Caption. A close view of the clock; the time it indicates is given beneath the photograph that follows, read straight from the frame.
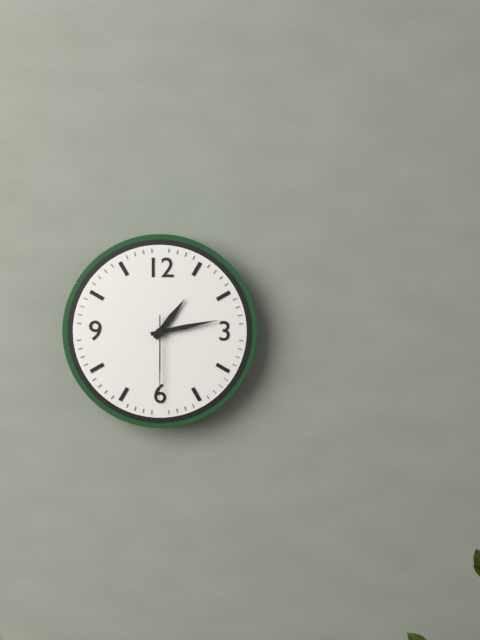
1:13:30
